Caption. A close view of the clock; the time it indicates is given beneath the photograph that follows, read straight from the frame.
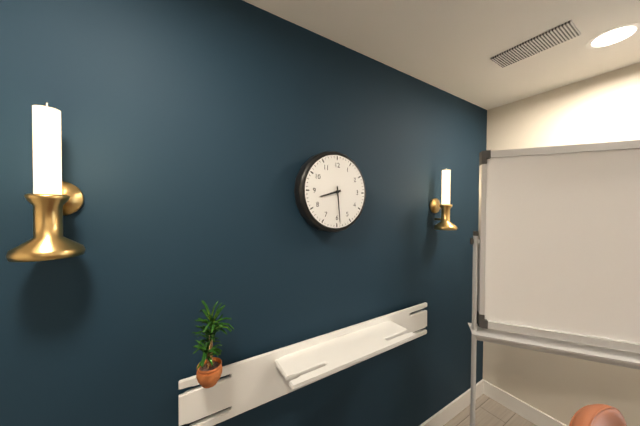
8:29
